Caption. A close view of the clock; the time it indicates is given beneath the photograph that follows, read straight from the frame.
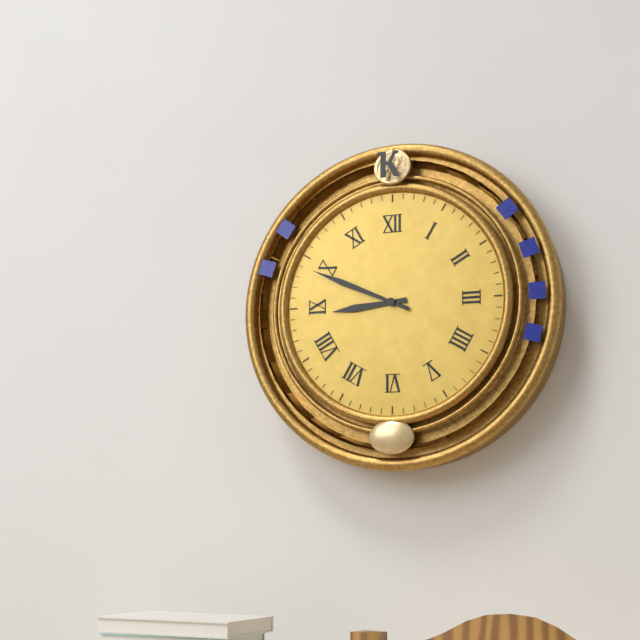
8:49
